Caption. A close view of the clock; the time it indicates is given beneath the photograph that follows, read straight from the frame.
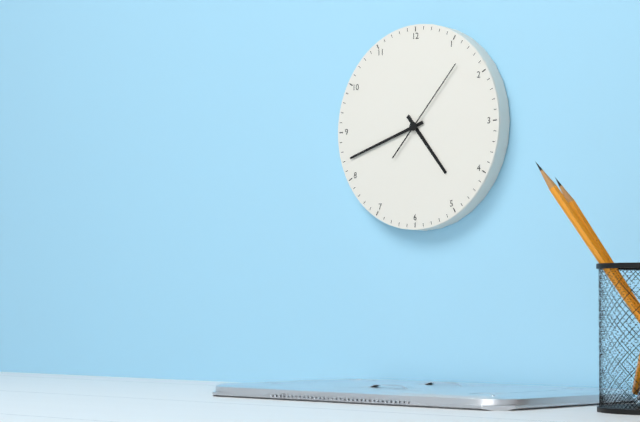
4:42:07
